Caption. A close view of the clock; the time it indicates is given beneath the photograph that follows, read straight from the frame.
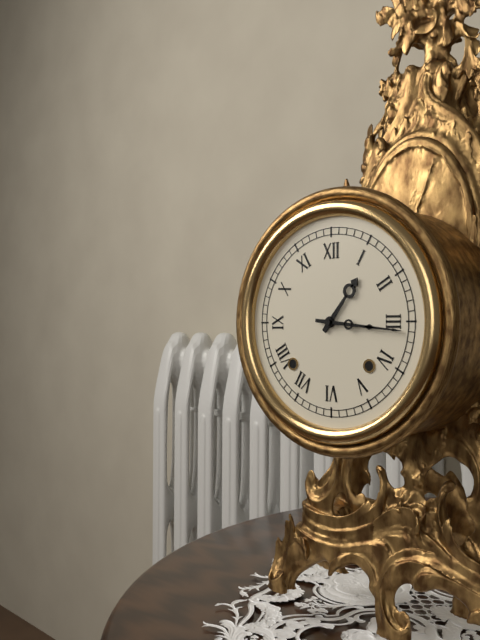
1:16
